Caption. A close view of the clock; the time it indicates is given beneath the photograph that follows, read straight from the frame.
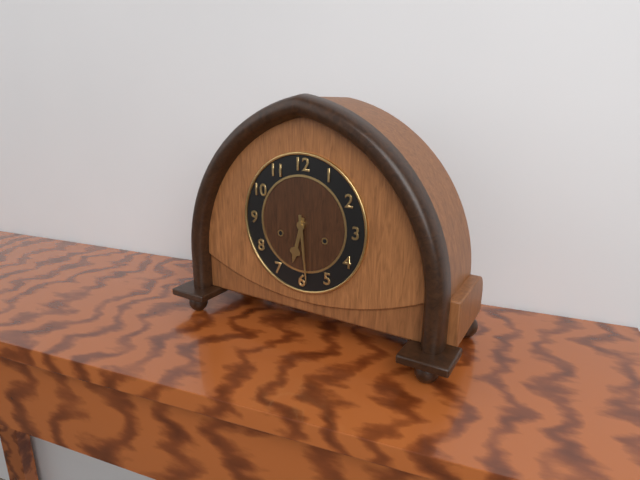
6:29
